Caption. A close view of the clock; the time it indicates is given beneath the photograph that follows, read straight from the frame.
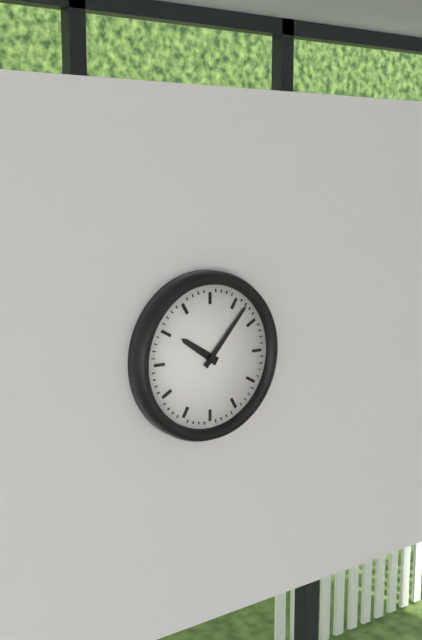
10:07
